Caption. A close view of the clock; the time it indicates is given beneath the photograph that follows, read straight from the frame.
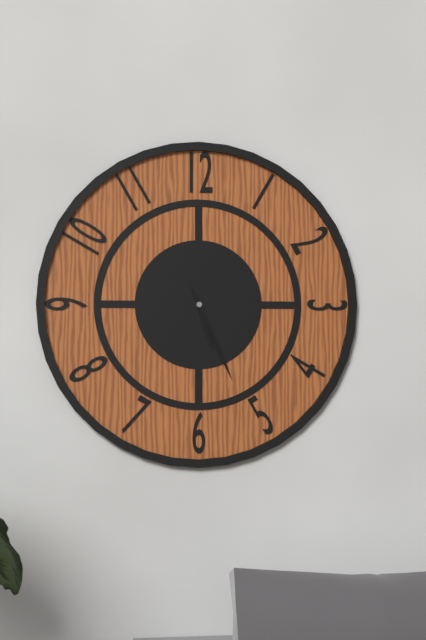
5:26:26
